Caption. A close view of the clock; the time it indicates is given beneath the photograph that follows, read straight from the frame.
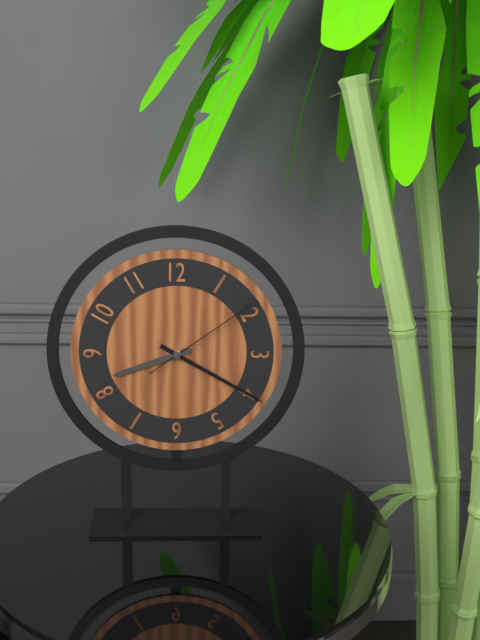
8:20:09
